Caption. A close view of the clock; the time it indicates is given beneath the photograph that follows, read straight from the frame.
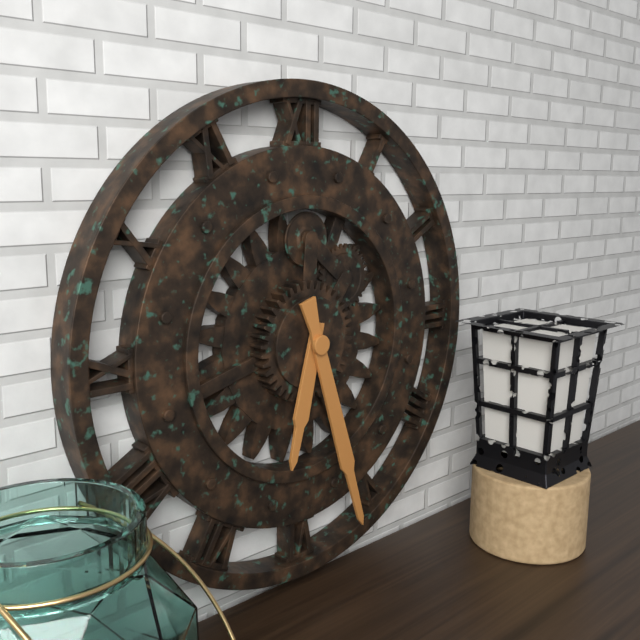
6:27
